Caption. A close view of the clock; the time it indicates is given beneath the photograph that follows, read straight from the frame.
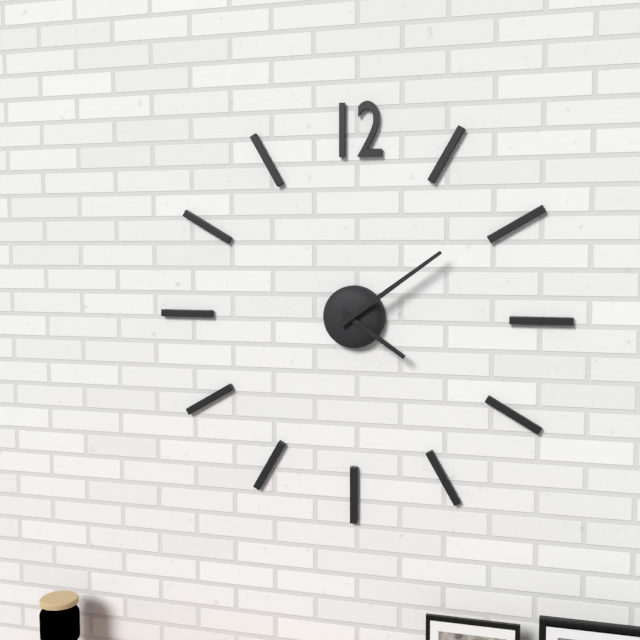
4:09
